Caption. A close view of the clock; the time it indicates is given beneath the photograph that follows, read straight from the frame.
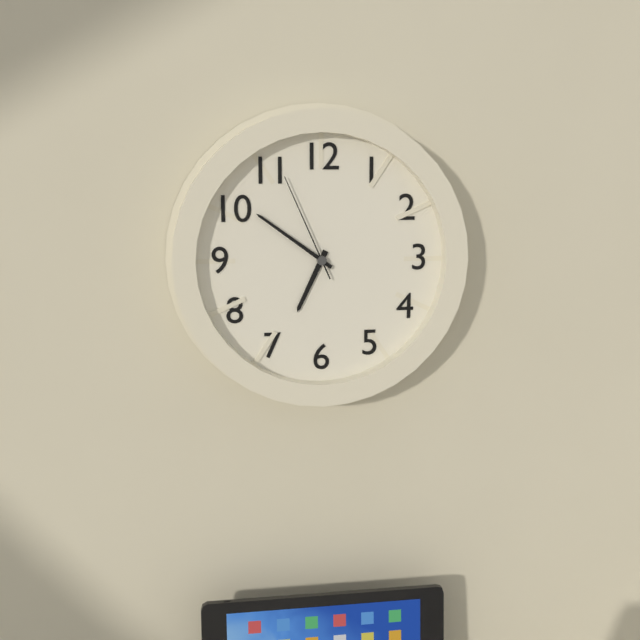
6:51:56
